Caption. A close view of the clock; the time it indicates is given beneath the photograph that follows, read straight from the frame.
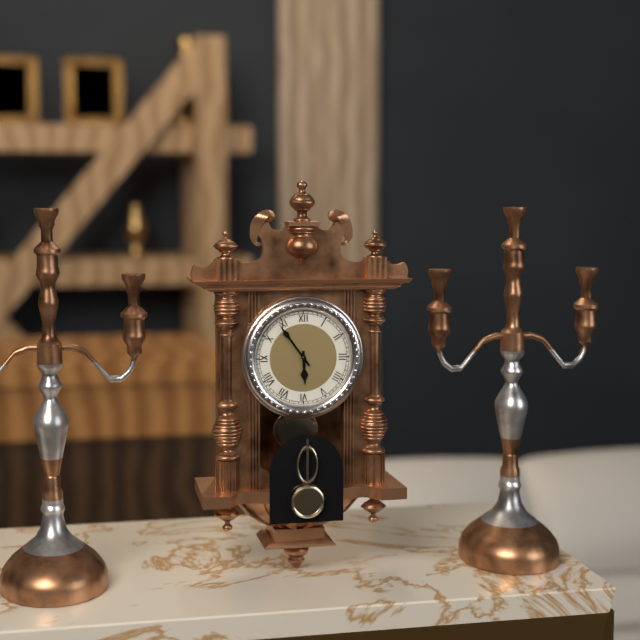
5:54
